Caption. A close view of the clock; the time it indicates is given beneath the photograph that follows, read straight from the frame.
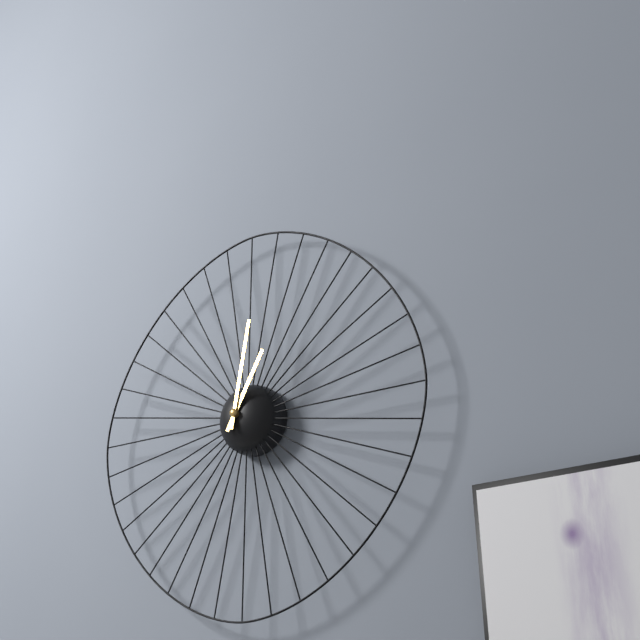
1:02
